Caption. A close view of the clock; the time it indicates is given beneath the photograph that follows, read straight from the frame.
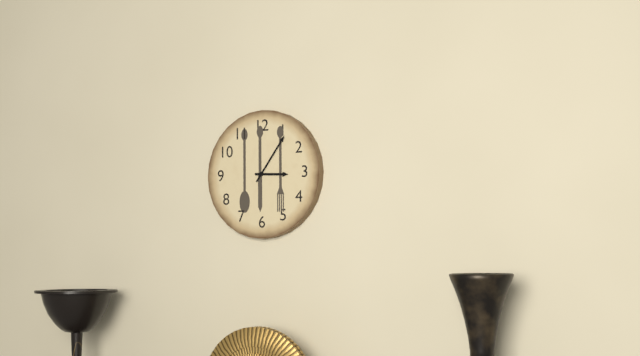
3:06
